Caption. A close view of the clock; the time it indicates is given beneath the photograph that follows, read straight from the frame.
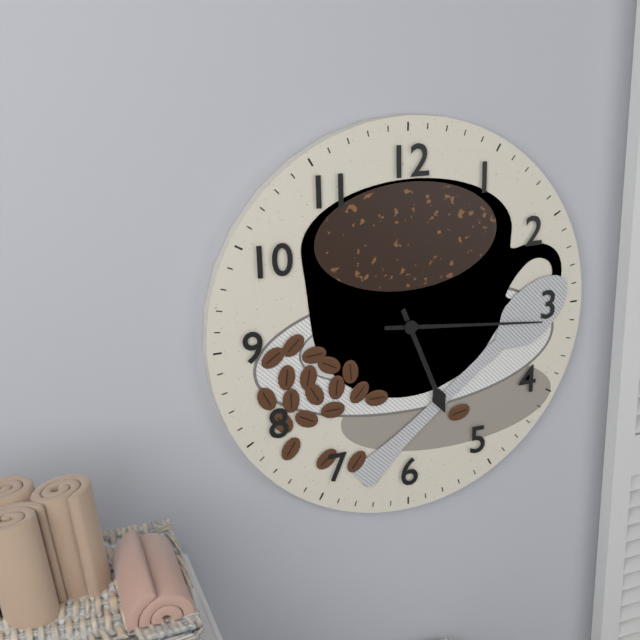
5:16
